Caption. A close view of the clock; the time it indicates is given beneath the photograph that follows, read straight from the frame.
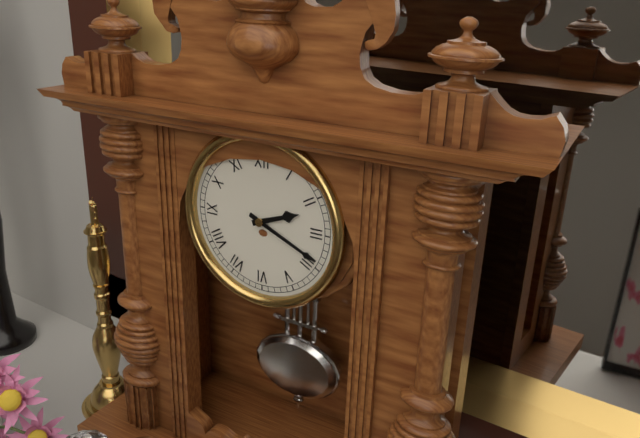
2:19
